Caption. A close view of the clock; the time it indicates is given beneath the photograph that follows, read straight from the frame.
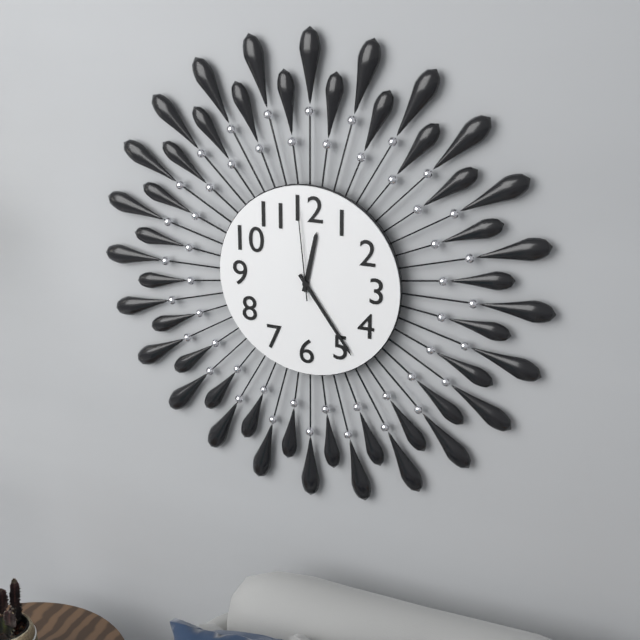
12:24:59
